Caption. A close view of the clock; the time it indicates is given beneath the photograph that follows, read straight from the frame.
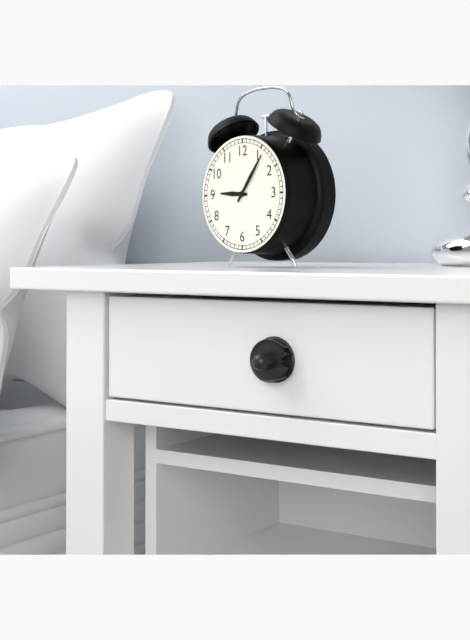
9:06
